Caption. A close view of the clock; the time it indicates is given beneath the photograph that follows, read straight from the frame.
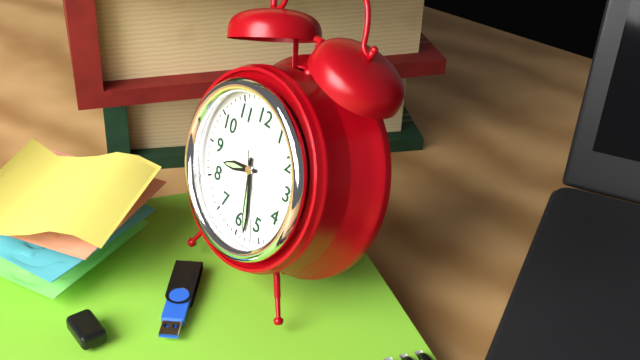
8:28:26
